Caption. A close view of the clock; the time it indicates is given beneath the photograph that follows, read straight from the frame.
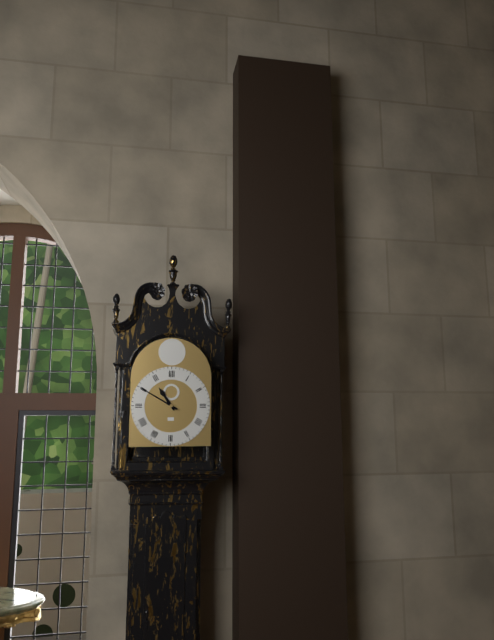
10:50
